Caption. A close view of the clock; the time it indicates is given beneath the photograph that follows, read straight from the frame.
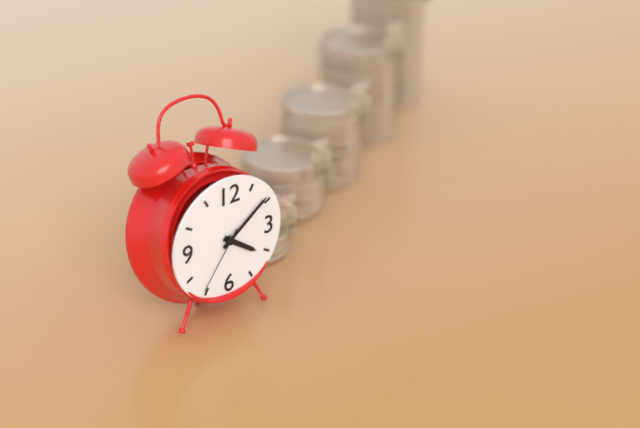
4:09:36
